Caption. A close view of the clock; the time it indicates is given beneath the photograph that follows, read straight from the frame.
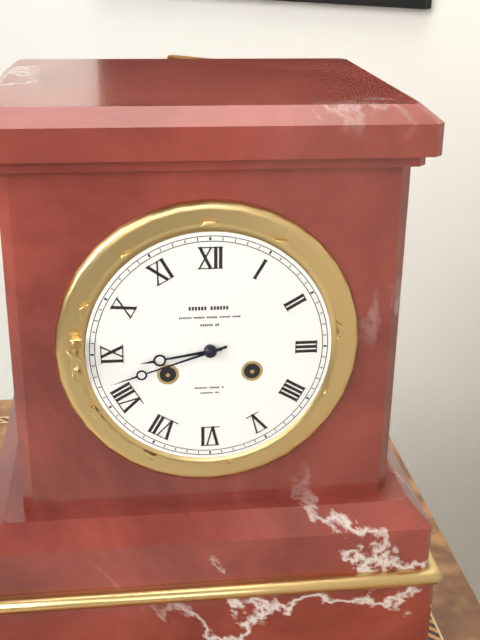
8:42
